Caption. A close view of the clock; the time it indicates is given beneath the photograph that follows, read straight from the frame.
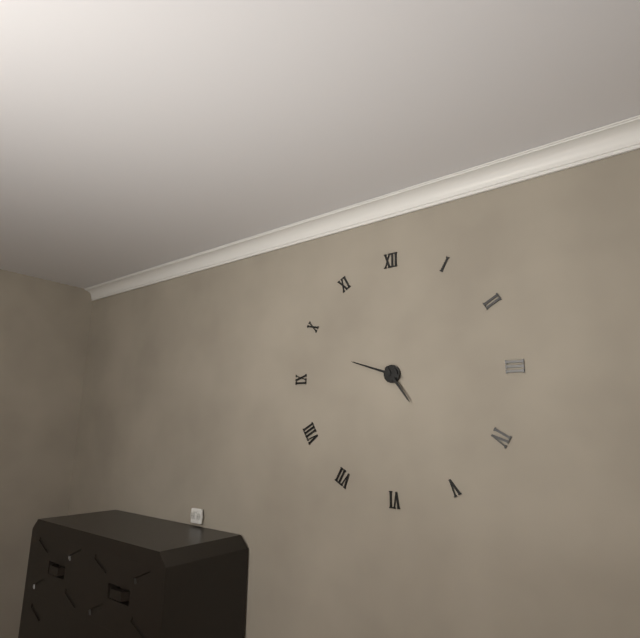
4:48
